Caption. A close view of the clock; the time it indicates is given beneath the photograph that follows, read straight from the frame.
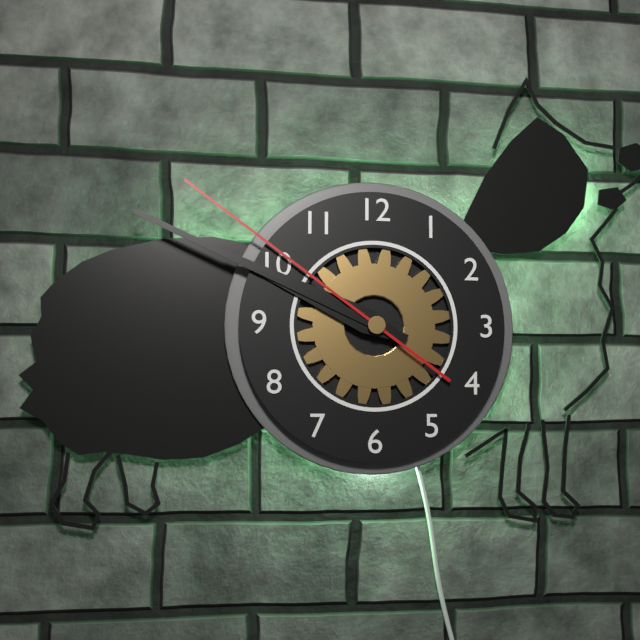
9:49:51
